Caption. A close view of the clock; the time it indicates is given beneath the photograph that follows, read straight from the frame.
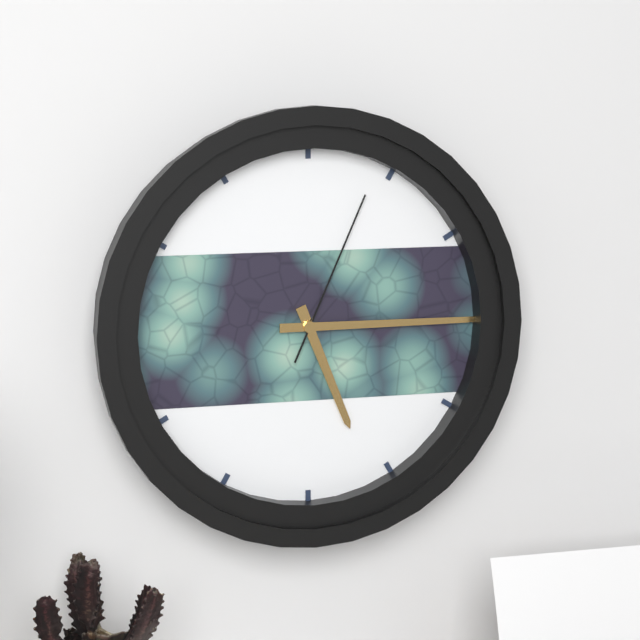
5:15:04
